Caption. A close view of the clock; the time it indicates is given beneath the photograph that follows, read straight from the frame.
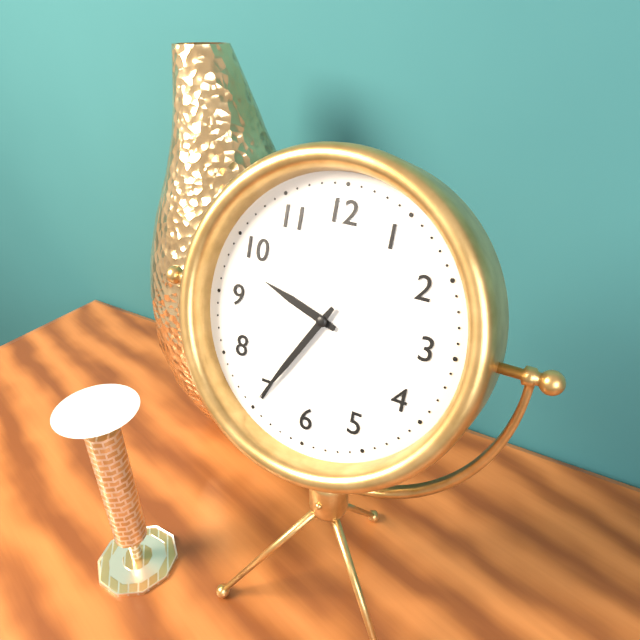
9:35
